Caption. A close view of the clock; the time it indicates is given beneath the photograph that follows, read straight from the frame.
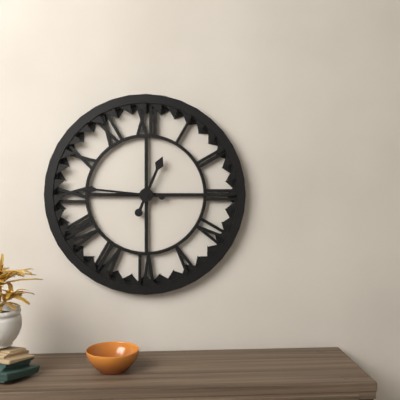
12:46
